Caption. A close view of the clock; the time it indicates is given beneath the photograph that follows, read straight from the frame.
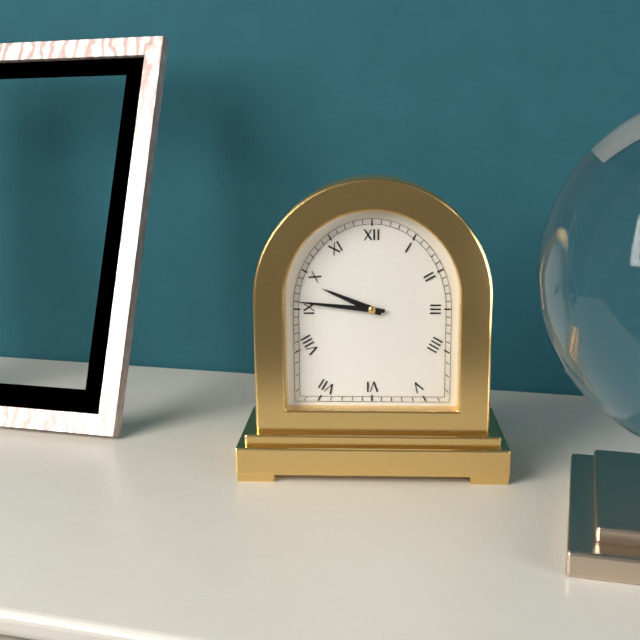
9:46
